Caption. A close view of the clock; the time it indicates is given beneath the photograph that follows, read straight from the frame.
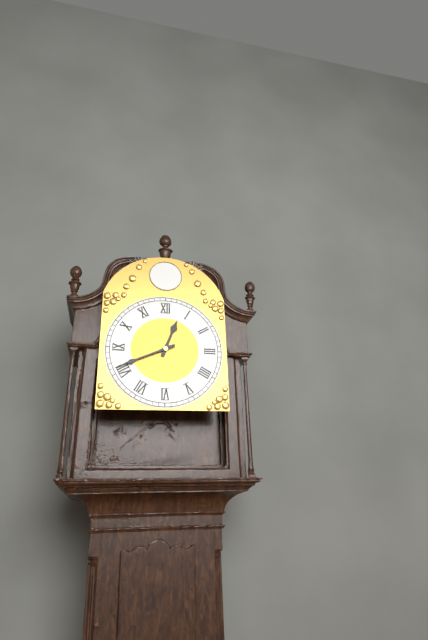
12:41
